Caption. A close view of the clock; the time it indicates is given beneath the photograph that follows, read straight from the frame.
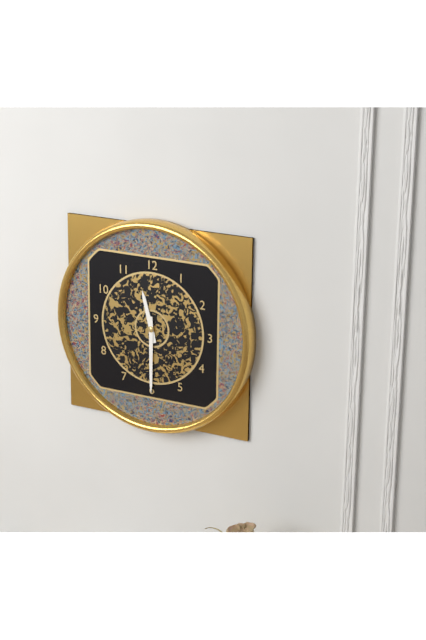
11:30
